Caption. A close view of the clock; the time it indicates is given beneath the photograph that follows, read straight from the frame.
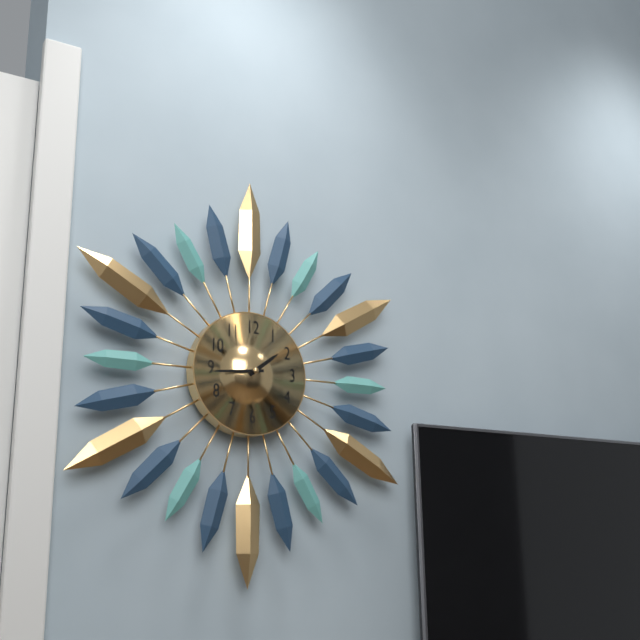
1:44
